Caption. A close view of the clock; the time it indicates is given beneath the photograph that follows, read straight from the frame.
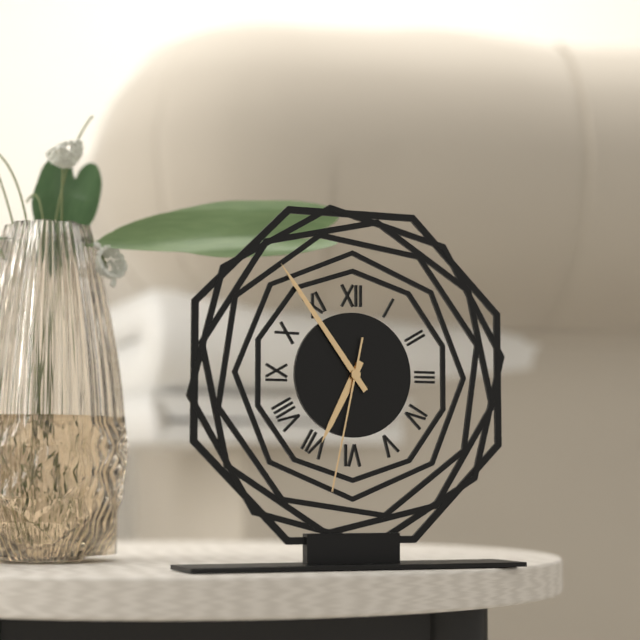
6:54:32
